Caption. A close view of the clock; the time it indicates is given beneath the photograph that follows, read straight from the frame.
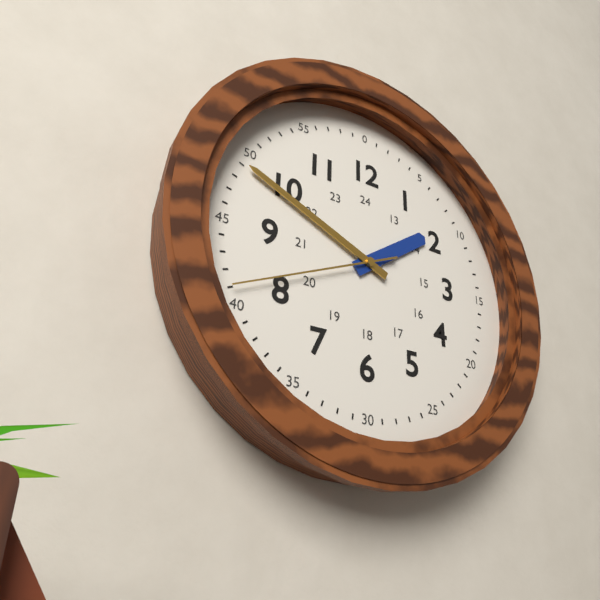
1:49:41
